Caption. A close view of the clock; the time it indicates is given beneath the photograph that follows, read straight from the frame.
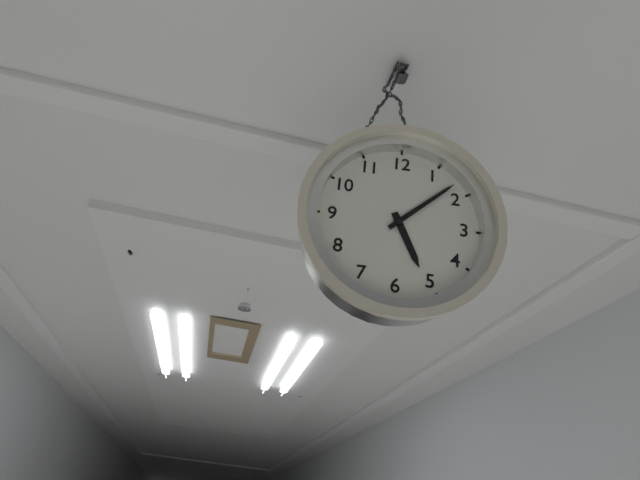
5:08
